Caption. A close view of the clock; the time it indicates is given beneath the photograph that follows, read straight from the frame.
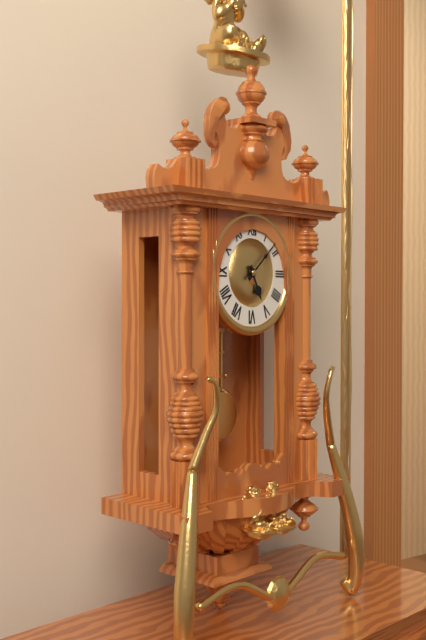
5:08
